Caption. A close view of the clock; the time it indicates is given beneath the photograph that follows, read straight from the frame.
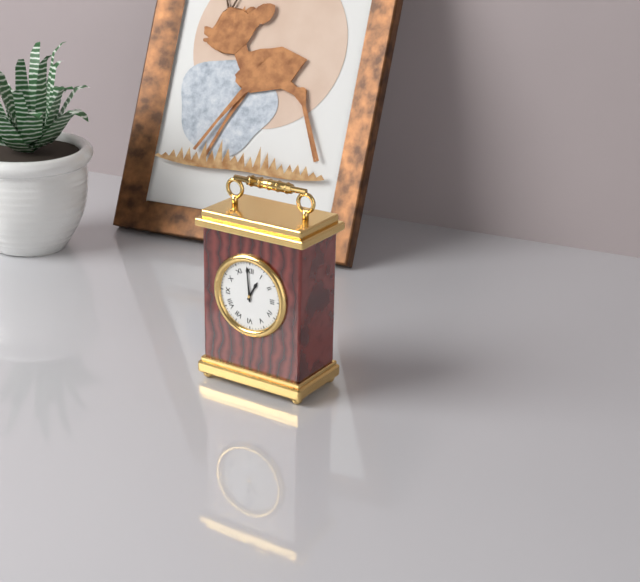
12:59
